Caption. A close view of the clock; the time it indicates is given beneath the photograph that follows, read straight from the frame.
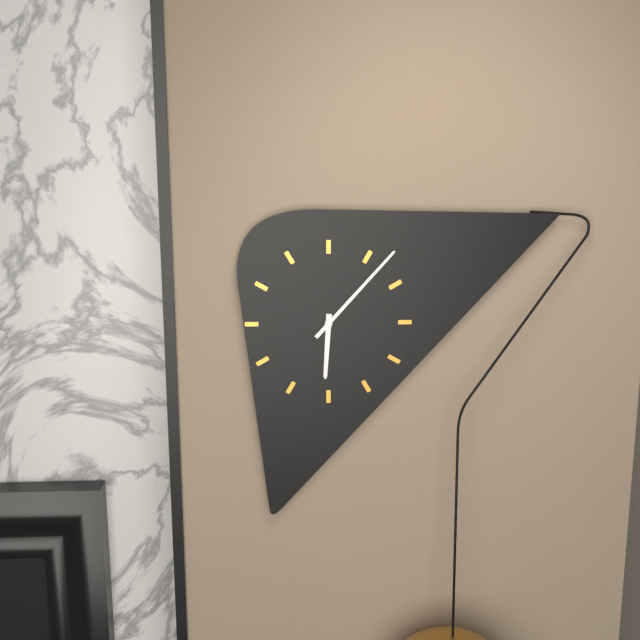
6:07
